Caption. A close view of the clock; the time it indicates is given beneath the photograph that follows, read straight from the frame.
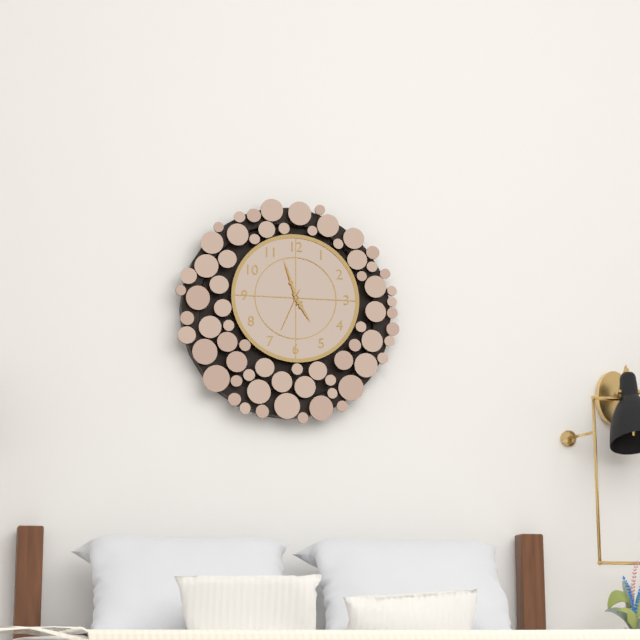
4:57
